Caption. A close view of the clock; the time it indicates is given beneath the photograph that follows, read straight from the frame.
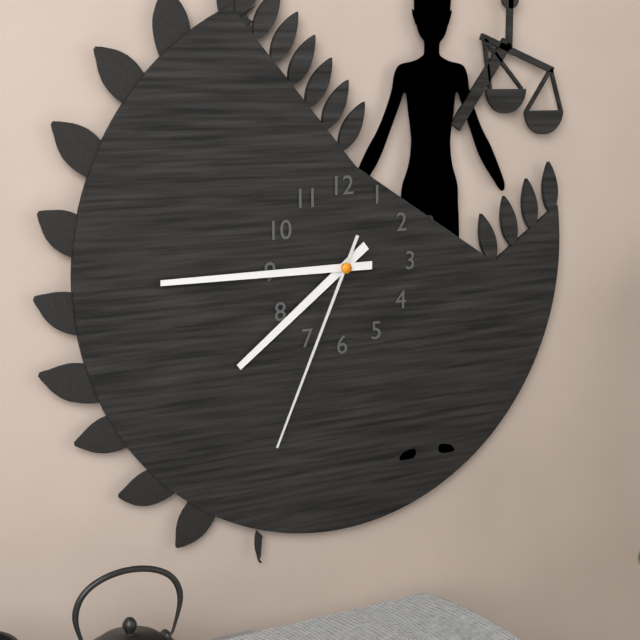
7:45:34
